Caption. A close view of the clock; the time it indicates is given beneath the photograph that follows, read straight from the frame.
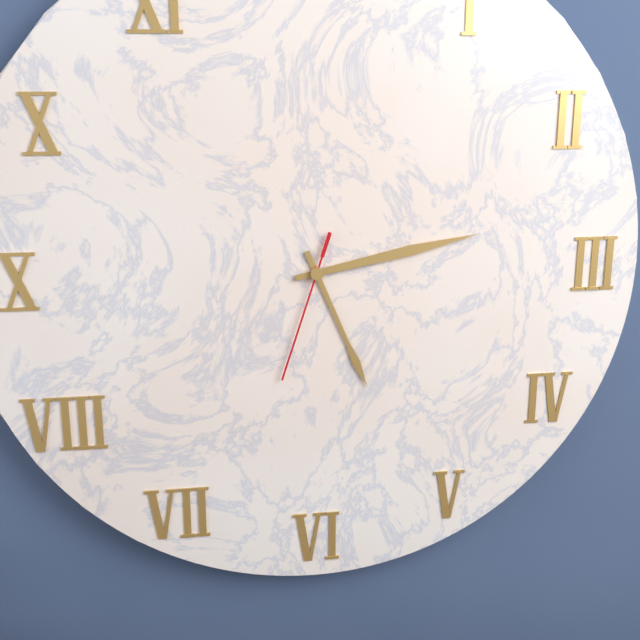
5:13:33
